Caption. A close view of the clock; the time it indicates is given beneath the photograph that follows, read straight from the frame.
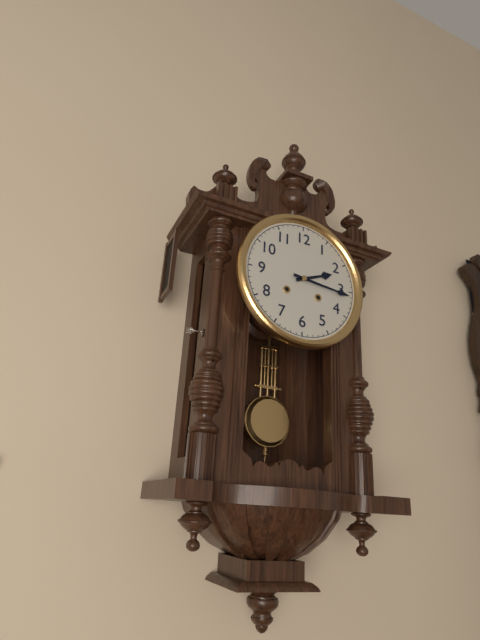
2:16
